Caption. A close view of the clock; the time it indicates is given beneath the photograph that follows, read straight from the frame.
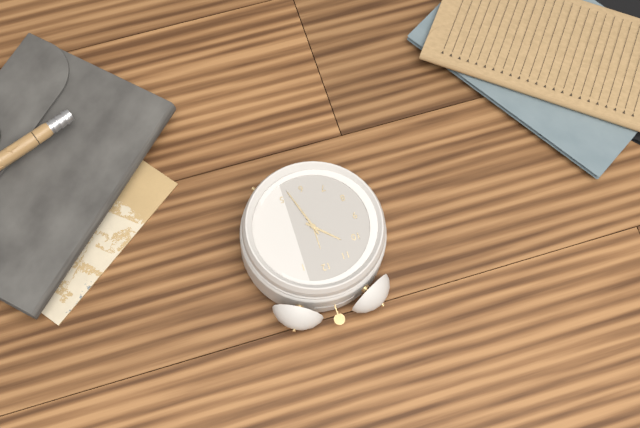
10:27
